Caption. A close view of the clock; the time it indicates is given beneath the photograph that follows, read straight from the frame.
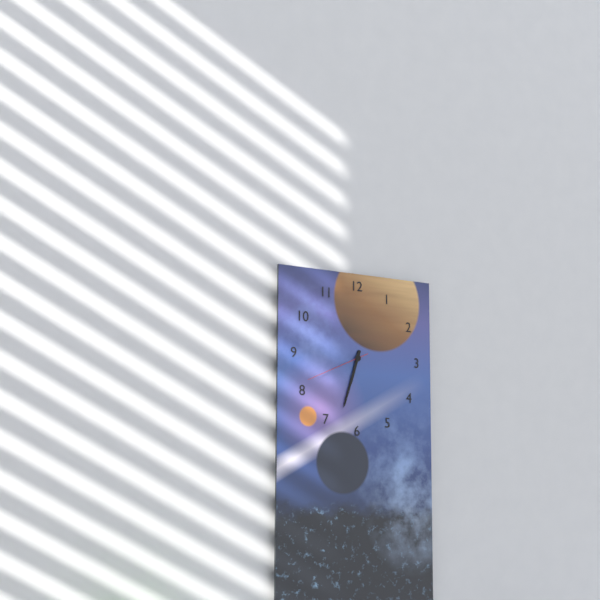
6:33:41
